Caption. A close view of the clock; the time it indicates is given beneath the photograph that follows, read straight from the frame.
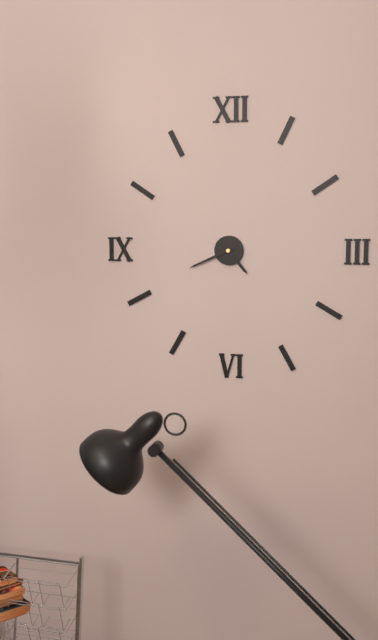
4:41
